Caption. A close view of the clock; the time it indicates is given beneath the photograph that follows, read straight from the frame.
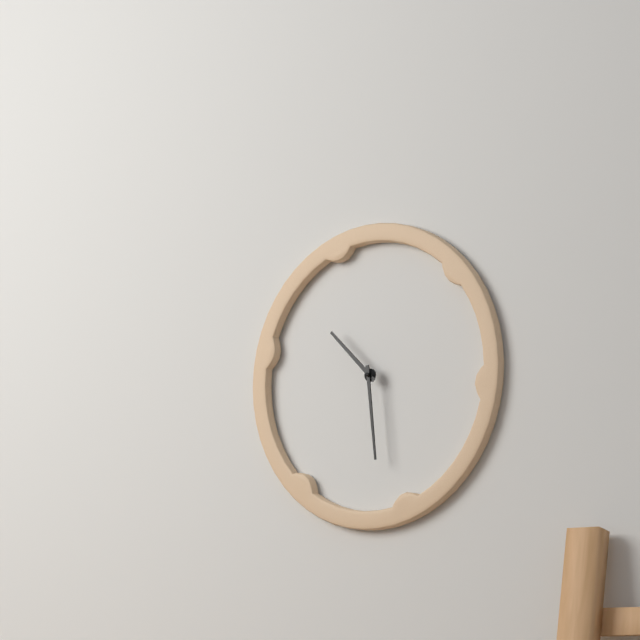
10:29
